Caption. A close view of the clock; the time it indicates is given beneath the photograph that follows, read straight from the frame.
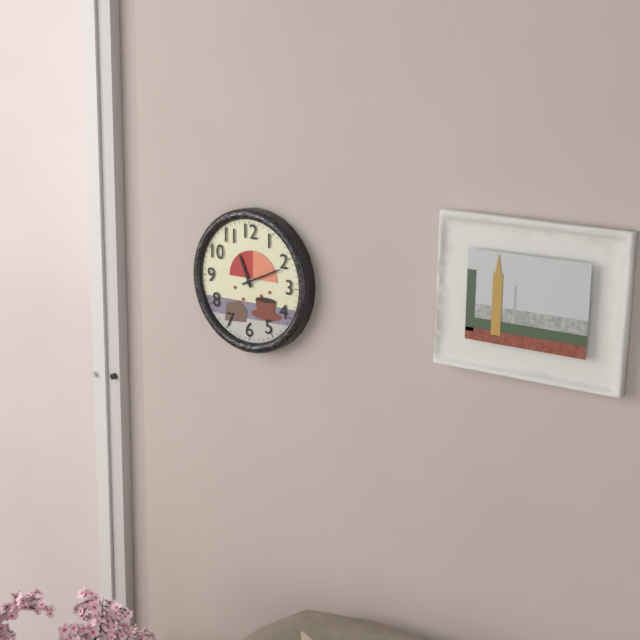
11:11
